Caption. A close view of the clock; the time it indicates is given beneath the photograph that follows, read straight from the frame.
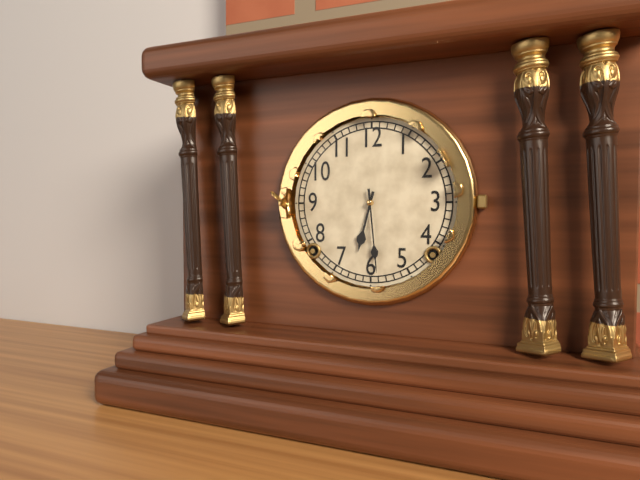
6:29
